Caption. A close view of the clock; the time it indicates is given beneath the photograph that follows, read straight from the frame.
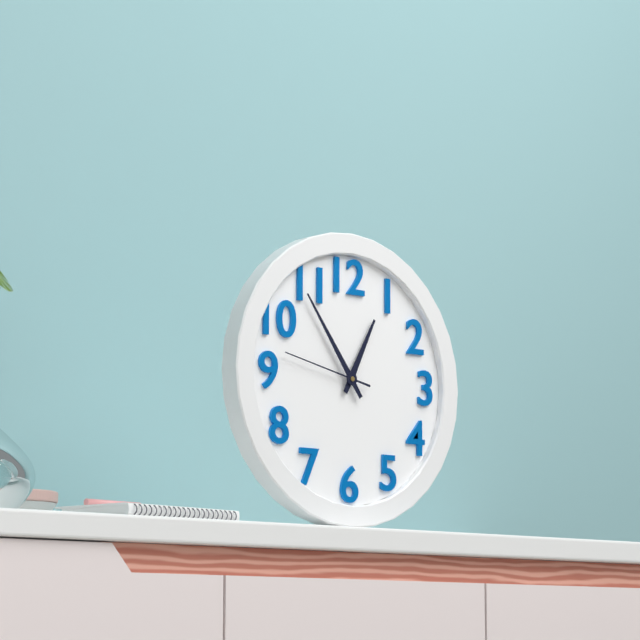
12:54:47
